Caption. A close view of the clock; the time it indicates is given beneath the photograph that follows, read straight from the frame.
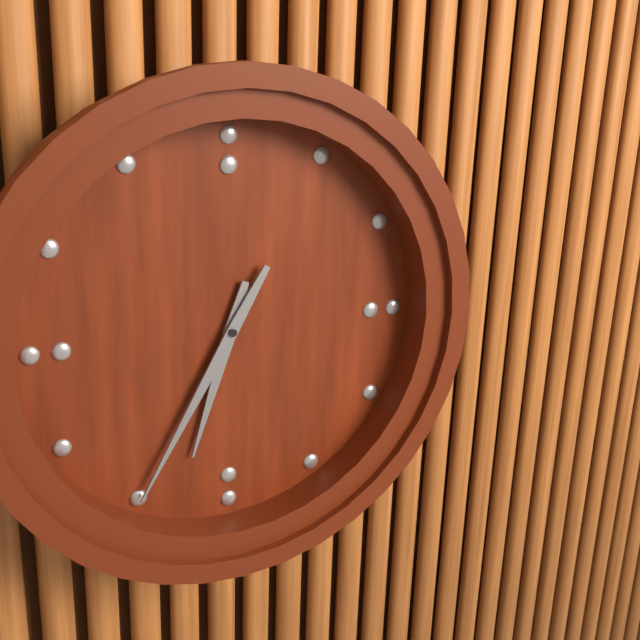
6:35
